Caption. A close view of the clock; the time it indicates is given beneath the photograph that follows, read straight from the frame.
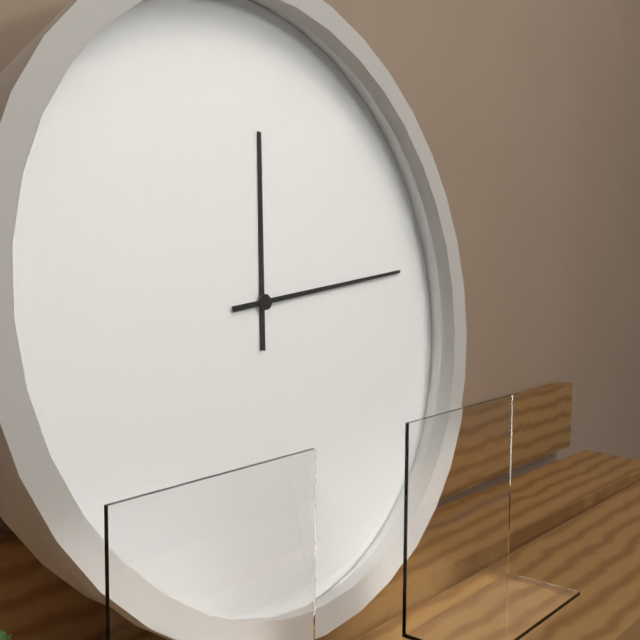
12:14
